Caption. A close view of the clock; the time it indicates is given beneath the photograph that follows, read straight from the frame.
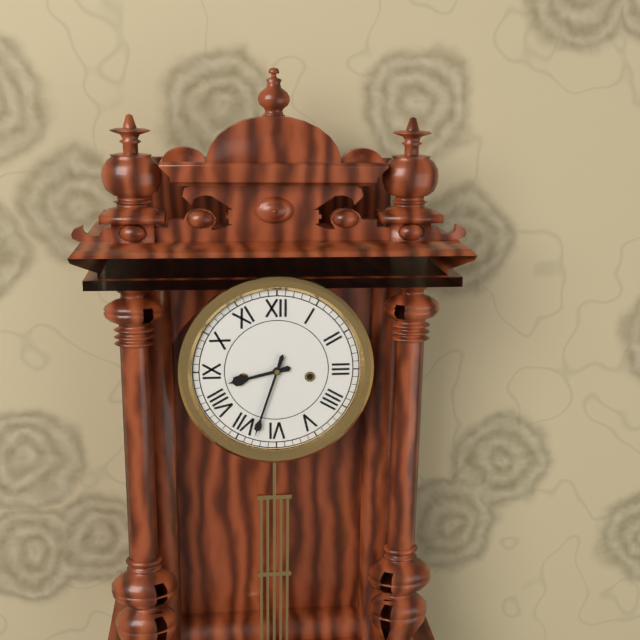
8:33
